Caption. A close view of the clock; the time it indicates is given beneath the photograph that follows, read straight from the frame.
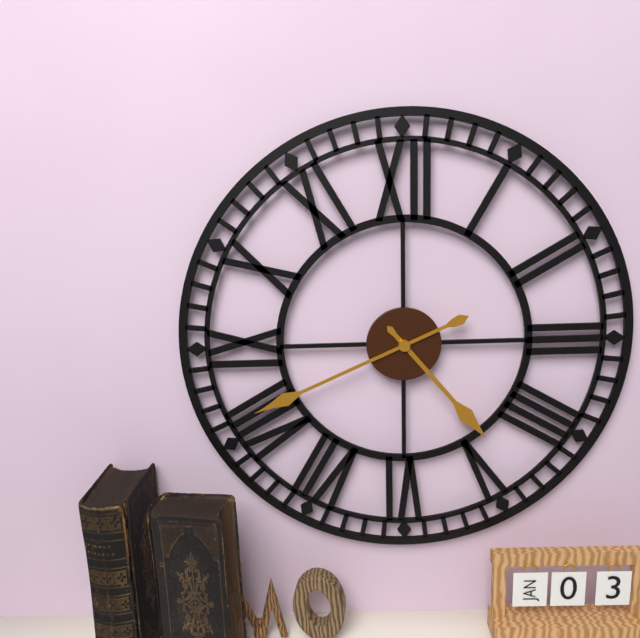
4:41
